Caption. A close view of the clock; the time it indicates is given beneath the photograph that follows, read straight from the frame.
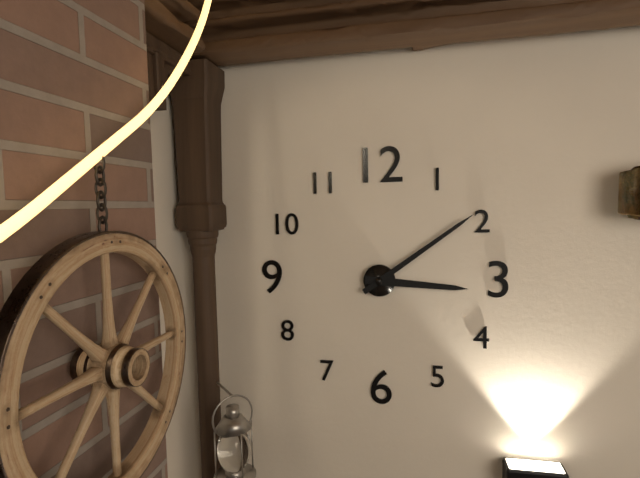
3:09
